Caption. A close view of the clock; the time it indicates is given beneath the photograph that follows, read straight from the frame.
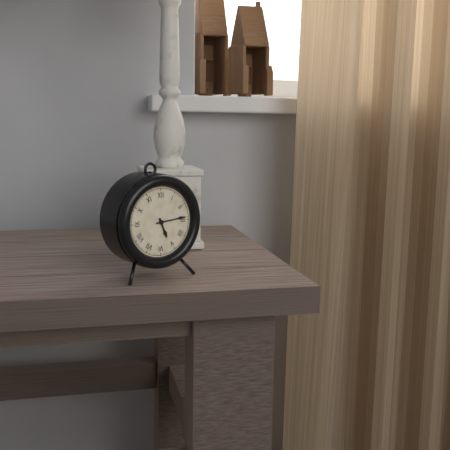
5:14
